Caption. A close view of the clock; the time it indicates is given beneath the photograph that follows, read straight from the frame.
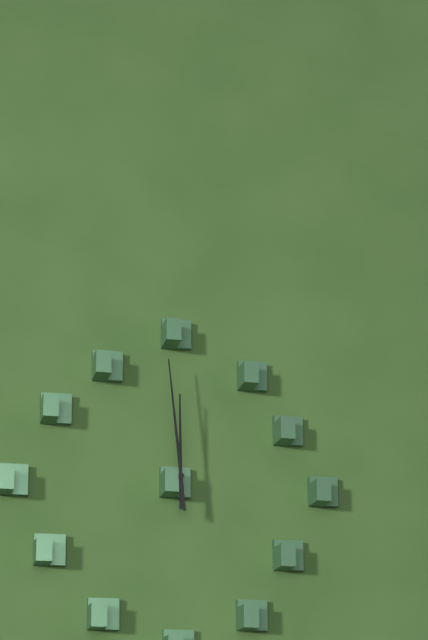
11:59
